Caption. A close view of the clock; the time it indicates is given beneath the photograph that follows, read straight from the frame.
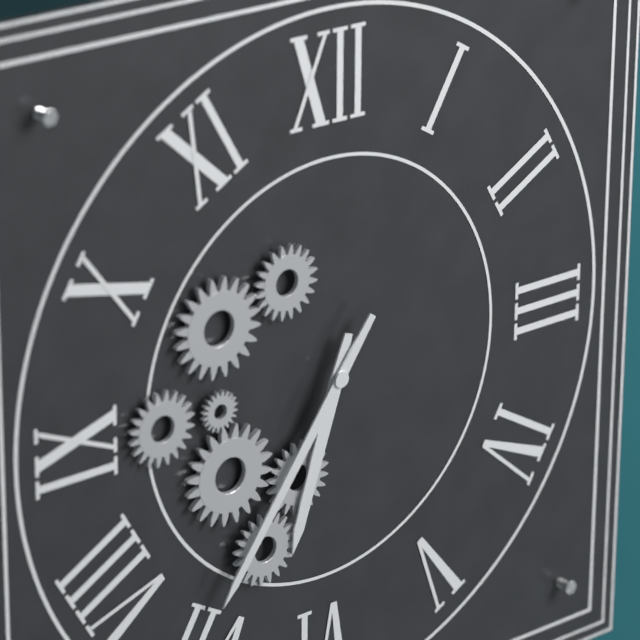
6:36
